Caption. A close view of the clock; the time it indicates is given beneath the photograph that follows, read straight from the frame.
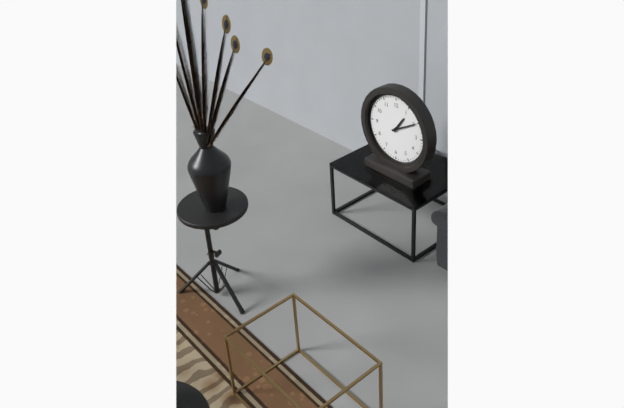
1:10
